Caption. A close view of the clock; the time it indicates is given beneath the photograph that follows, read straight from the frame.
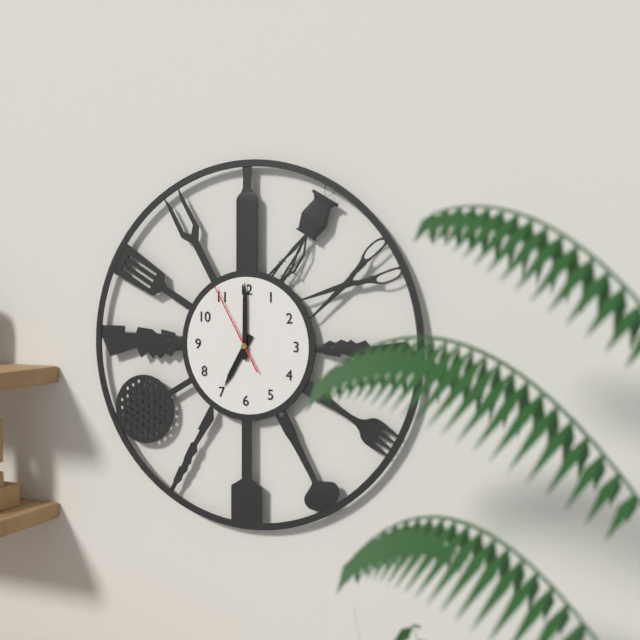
7:00:55
